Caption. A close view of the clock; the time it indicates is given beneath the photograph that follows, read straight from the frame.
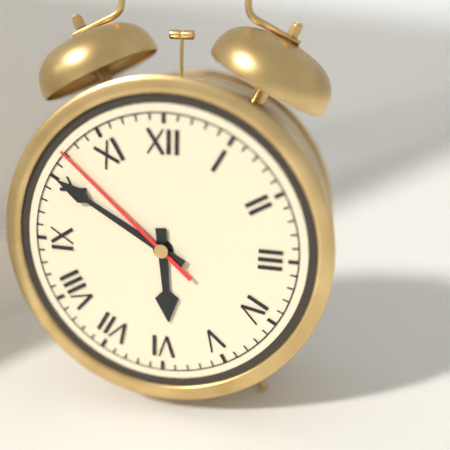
5:50:52
